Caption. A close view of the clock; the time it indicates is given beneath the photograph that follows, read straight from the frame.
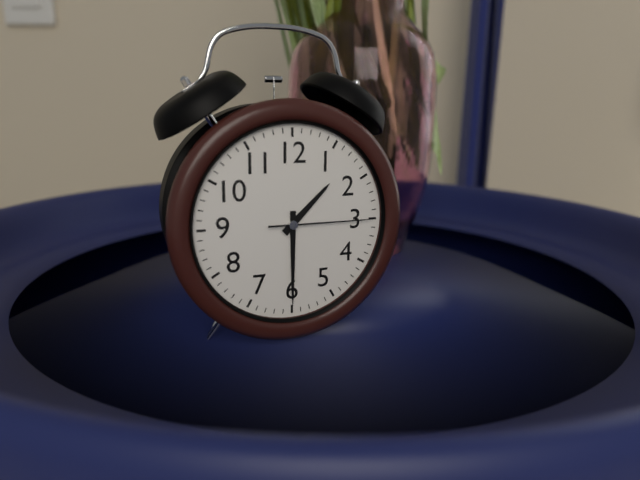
1:30:15
